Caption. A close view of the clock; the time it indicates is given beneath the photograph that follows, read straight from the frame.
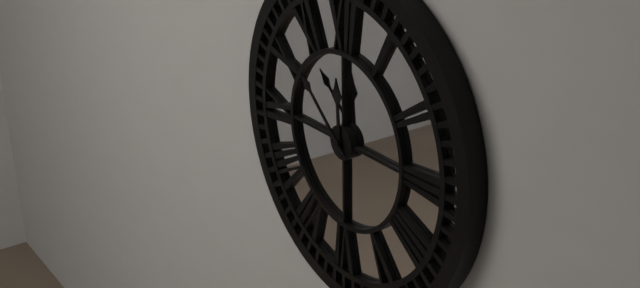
11:52
